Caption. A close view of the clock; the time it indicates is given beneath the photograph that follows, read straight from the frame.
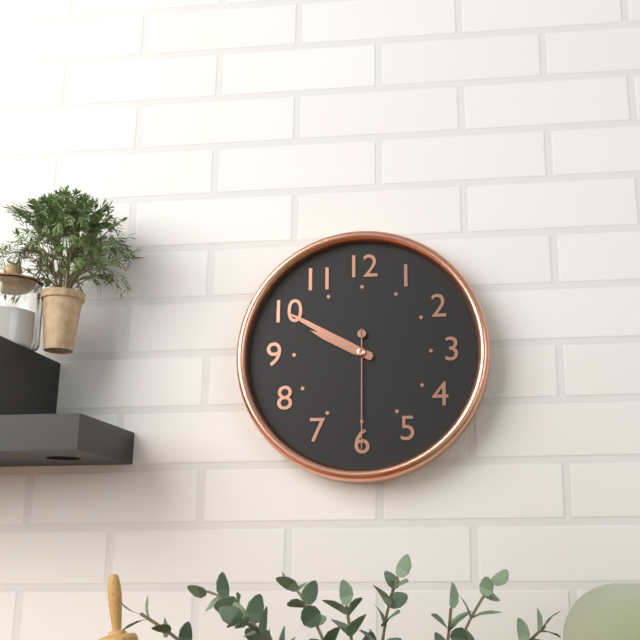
9:50:30
